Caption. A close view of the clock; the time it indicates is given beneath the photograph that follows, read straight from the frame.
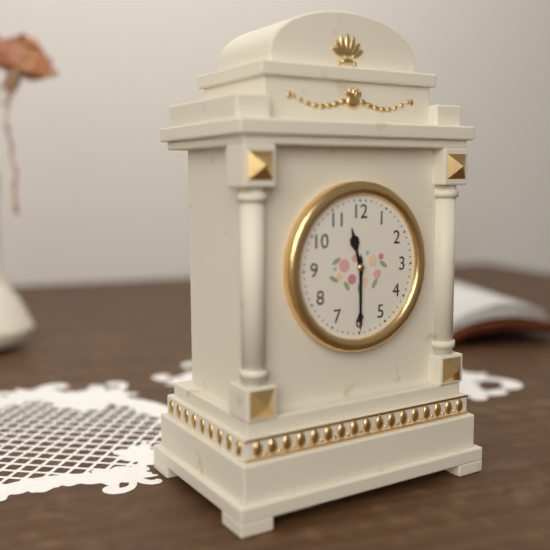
11:30
